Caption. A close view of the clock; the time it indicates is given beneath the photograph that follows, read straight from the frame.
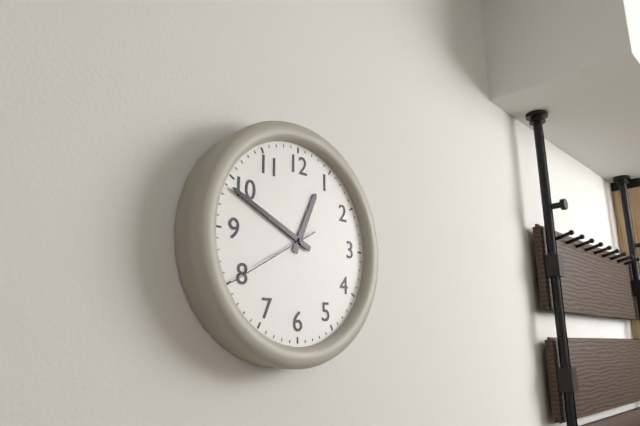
12:49:40
